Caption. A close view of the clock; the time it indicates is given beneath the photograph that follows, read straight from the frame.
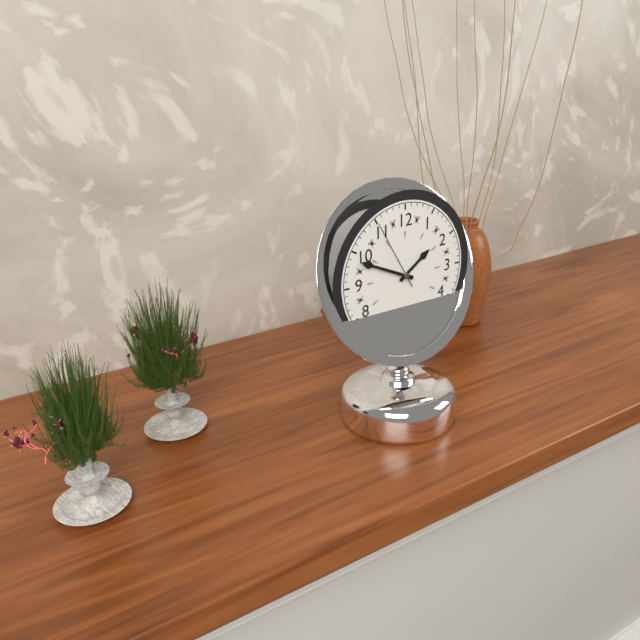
1:49:55
